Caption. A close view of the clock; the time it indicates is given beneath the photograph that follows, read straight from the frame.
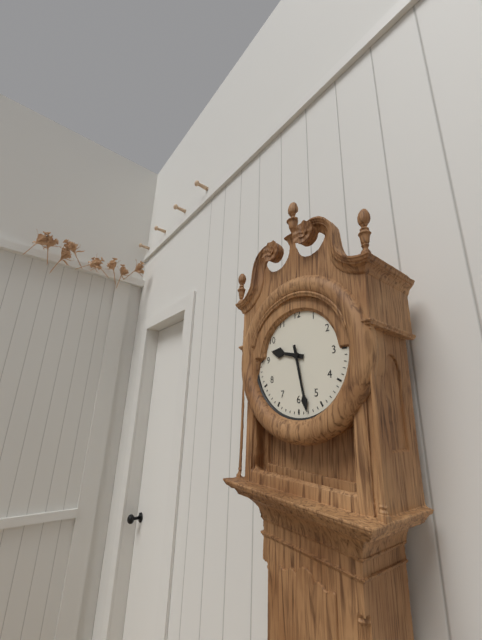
9:28
